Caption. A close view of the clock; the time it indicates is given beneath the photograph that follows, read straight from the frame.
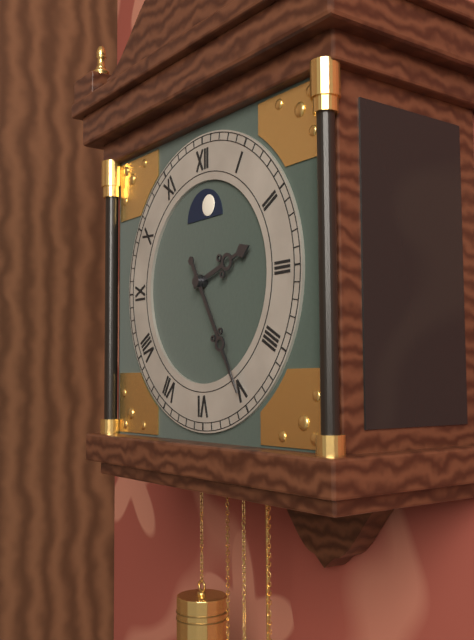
2:25
